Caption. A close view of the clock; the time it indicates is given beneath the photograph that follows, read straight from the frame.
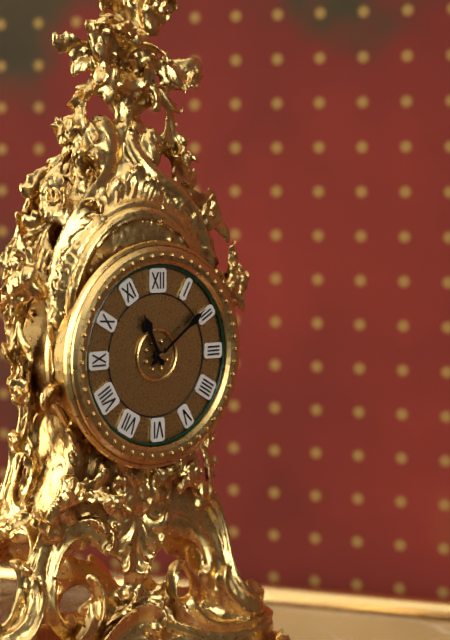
11:09
